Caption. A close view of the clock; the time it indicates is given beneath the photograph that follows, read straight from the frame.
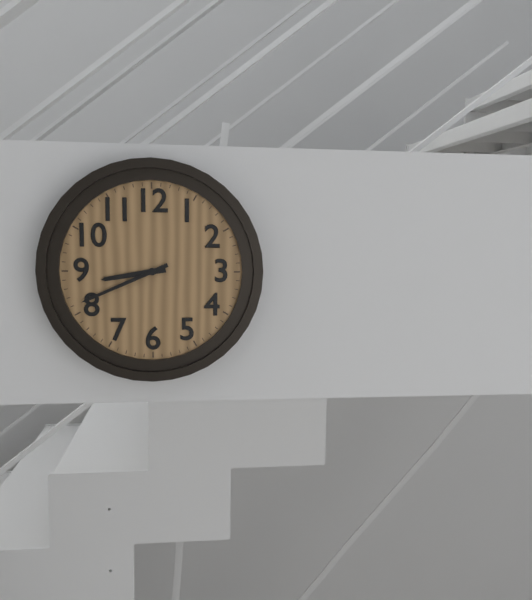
8:41
